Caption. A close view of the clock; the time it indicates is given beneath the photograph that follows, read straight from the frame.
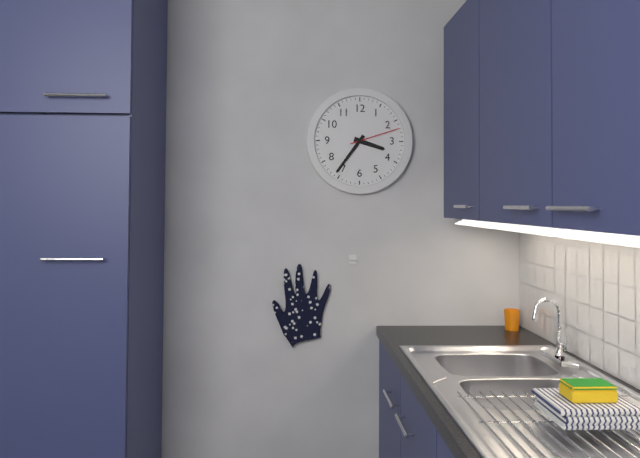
3:36:12
